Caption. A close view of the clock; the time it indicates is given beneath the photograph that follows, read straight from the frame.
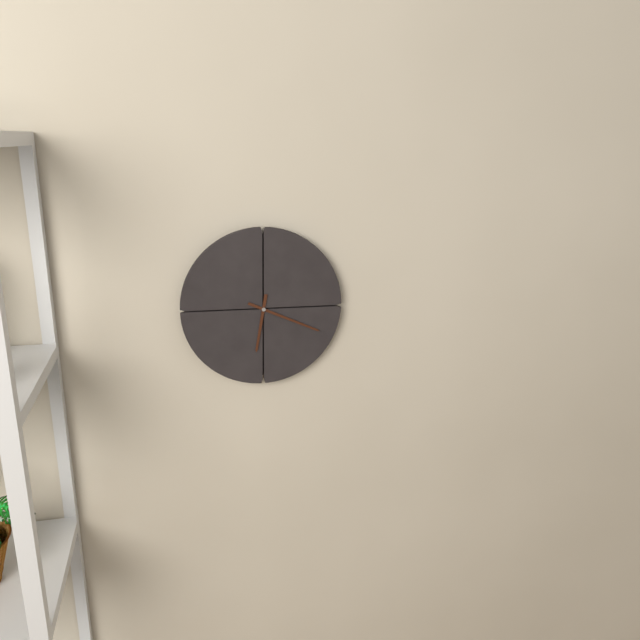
6:19
